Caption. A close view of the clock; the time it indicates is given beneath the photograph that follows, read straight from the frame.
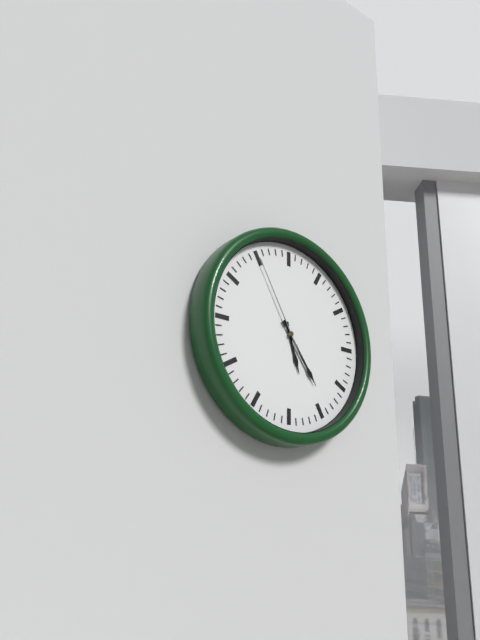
5:24:55
